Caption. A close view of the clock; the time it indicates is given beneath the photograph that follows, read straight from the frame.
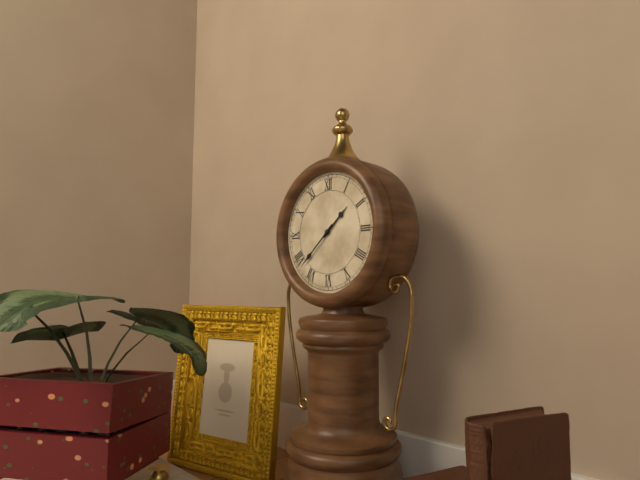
1:38
